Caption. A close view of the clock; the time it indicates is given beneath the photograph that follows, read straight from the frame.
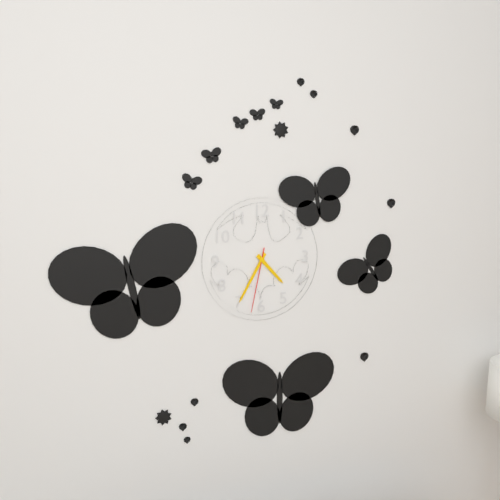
4:35:32
